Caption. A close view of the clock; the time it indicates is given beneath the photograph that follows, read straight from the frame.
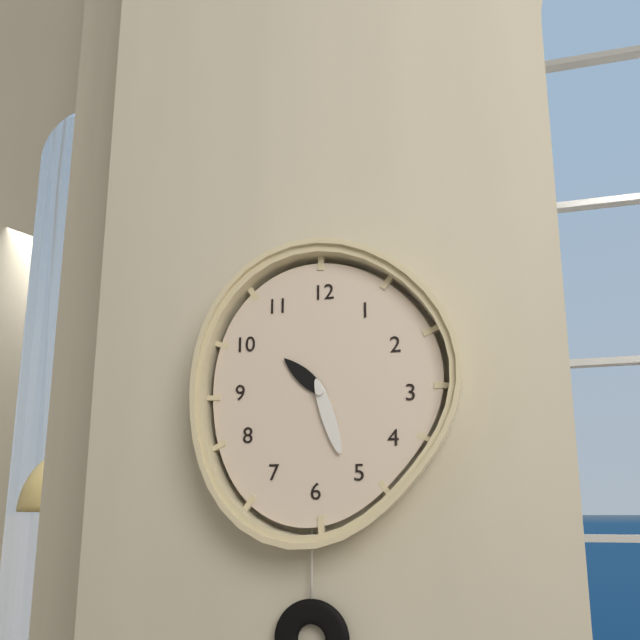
10:27
